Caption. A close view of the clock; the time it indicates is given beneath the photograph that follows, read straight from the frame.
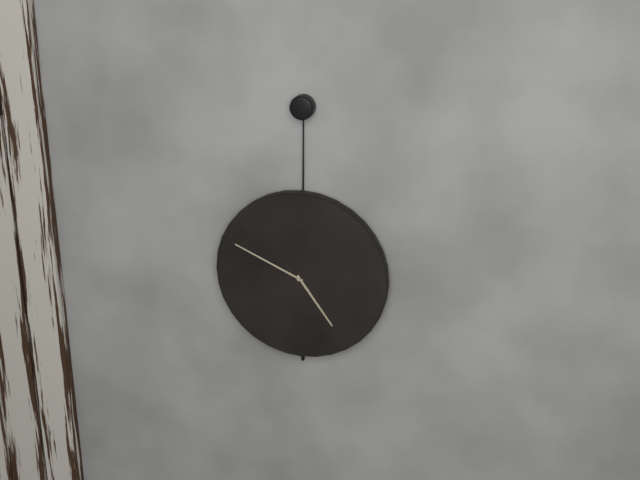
4:49
